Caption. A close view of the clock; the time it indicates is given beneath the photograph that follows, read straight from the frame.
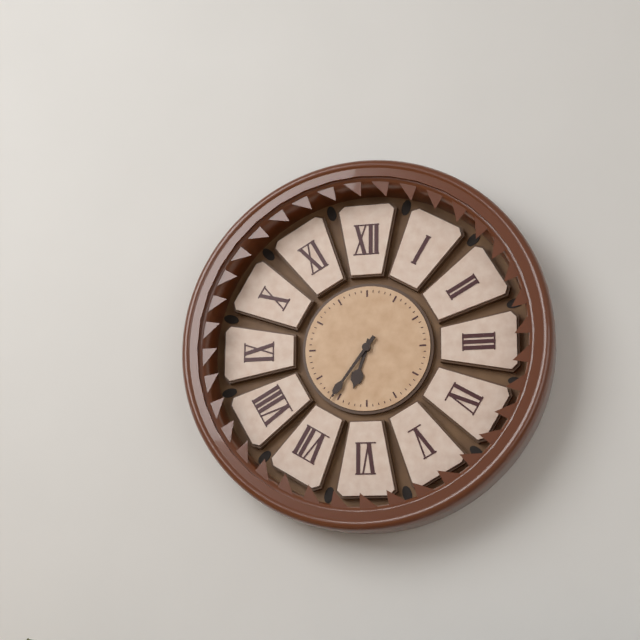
6:36
